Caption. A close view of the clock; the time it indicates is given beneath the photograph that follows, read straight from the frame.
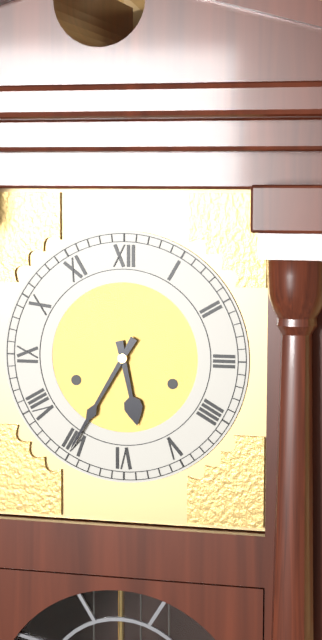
5:35
